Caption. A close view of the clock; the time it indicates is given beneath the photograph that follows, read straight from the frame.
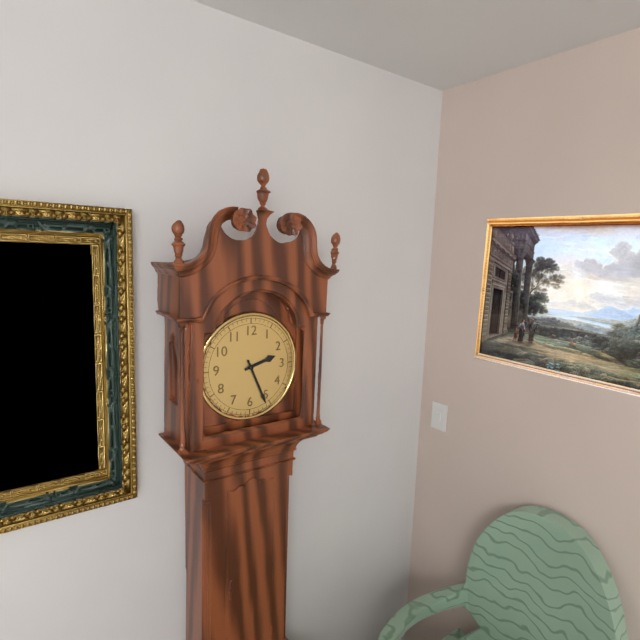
2:26
